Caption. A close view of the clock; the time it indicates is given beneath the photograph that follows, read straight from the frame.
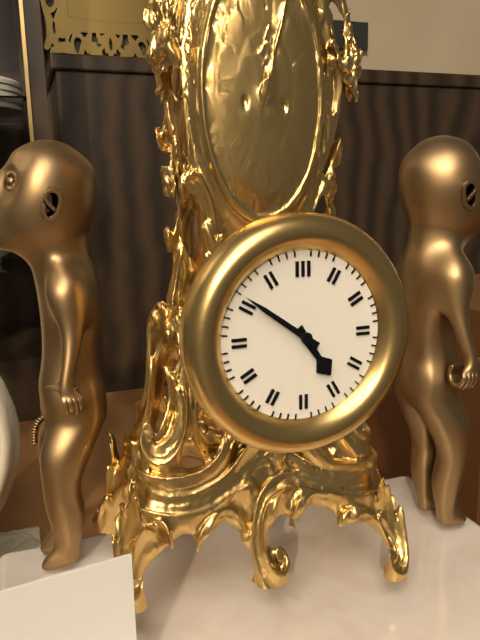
4:51
